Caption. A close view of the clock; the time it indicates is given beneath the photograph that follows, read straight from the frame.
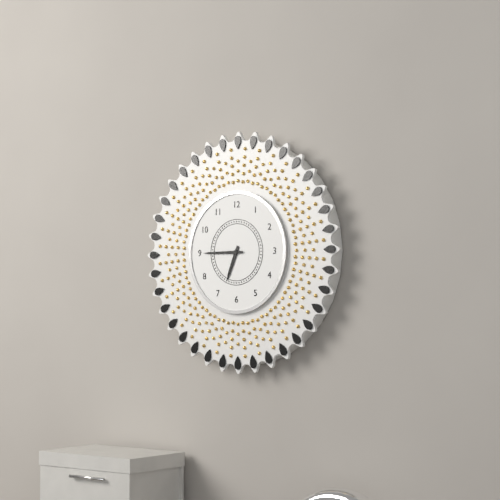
6:45
